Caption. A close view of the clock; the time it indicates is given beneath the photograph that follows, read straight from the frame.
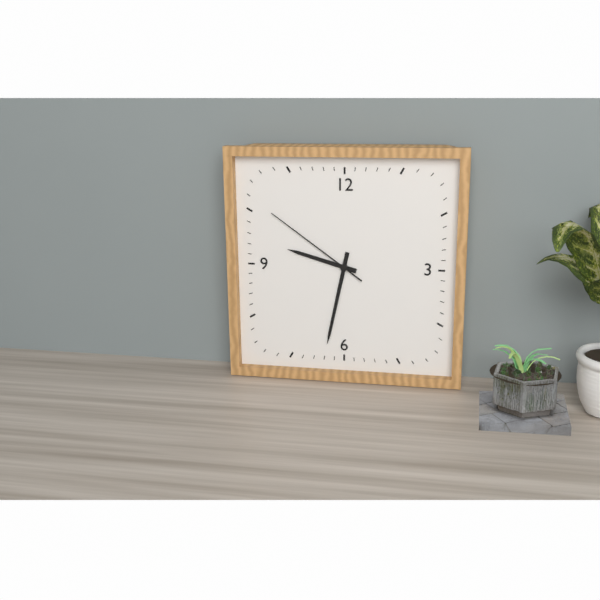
9:32:51
